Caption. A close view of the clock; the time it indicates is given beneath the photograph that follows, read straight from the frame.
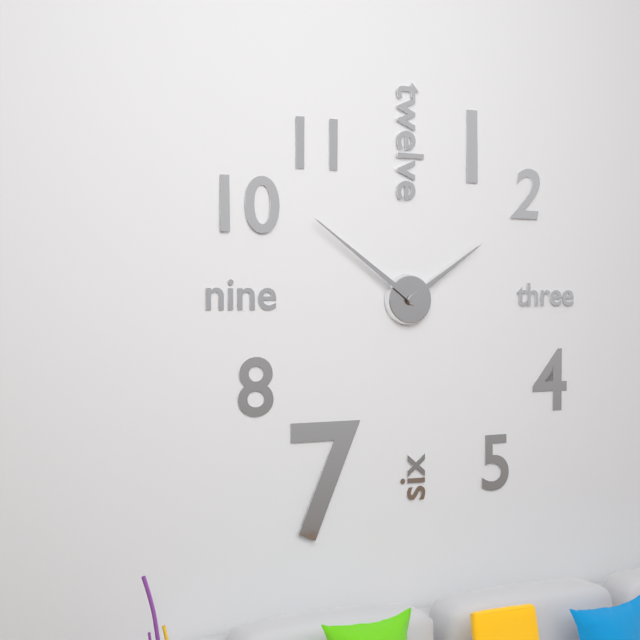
1:51
